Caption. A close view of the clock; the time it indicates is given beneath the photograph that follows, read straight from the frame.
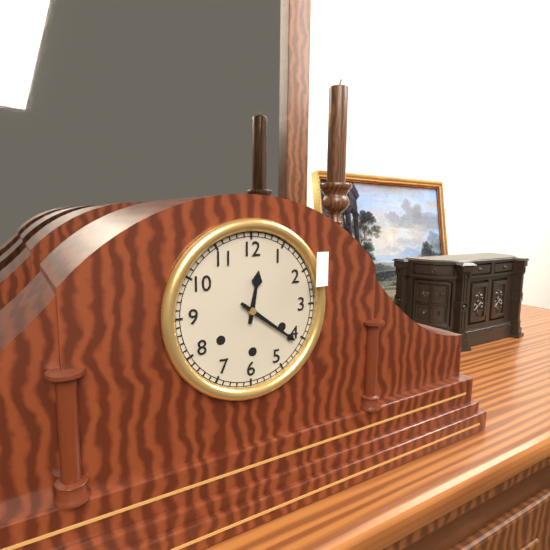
12:21
